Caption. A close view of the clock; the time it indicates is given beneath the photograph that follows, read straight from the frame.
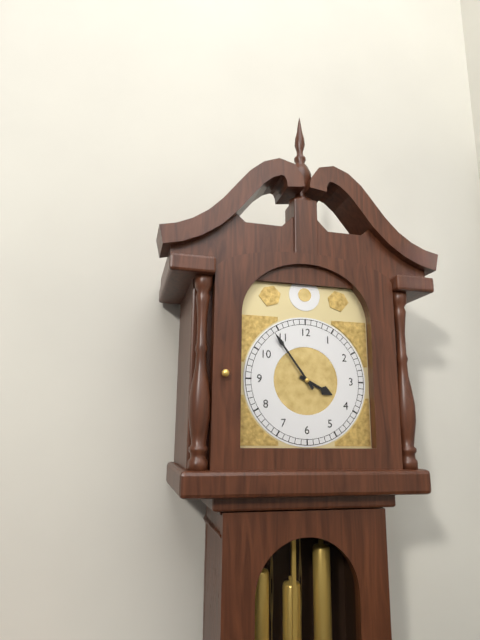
3:54
